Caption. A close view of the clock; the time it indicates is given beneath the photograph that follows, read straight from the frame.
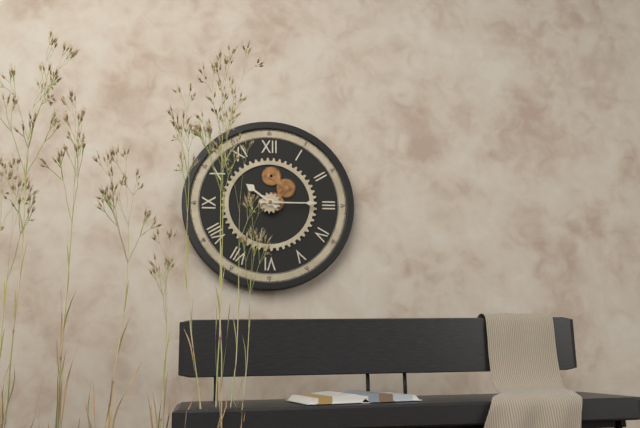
10:15
